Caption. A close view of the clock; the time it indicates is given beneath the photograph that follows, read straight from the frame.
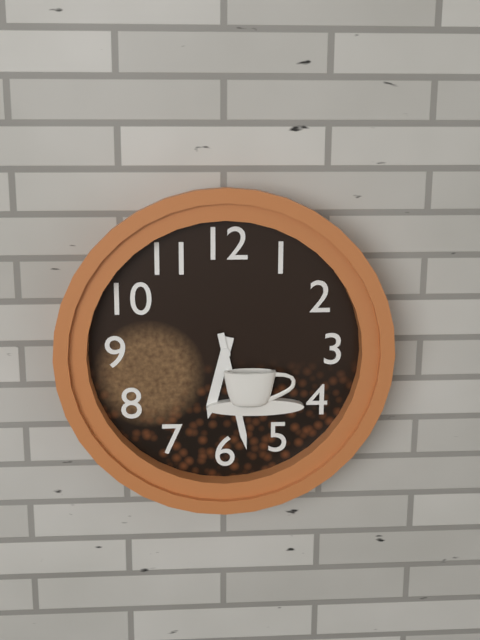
6:28
